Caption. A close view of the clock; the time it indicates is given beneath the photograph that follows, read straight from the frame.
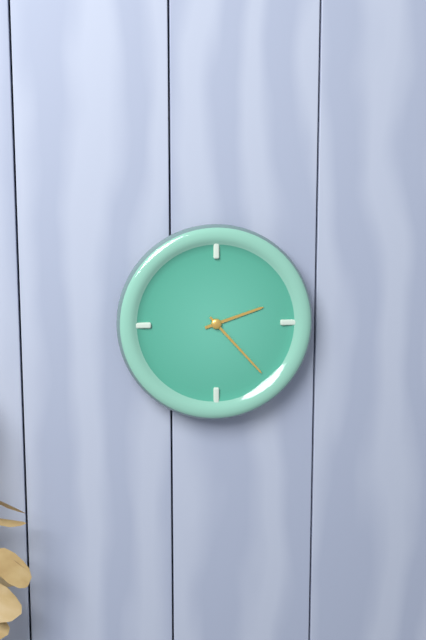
2:23
